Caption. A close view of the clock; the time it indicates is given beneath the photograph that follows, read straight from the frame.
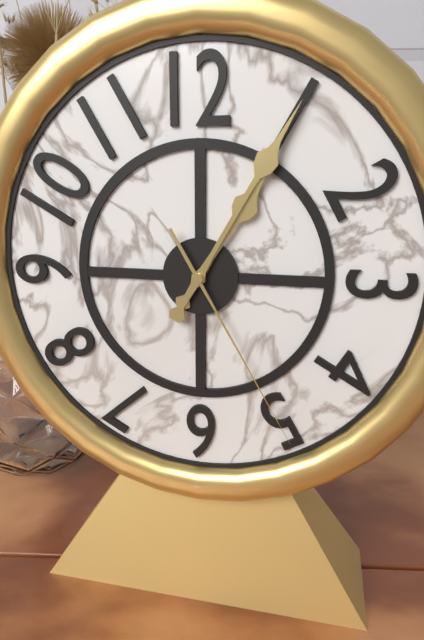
1:05:25
